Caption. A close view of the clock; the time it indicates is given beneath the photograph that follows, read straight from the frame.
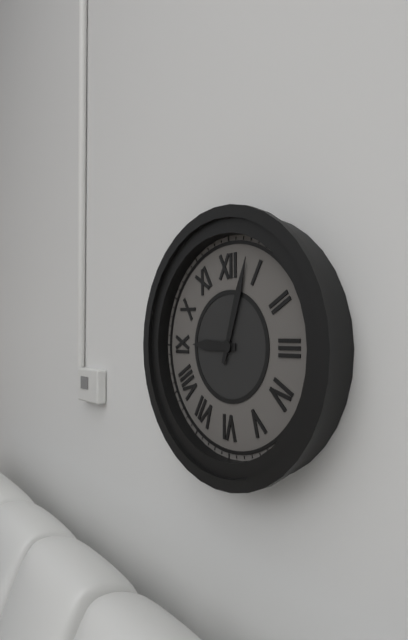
9:03
